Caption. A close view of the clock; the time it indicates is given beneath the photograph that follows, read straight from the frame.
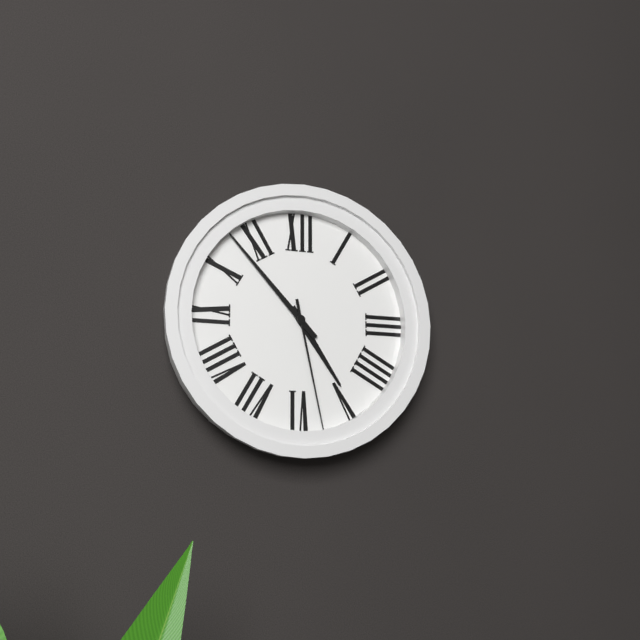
4:53:28
